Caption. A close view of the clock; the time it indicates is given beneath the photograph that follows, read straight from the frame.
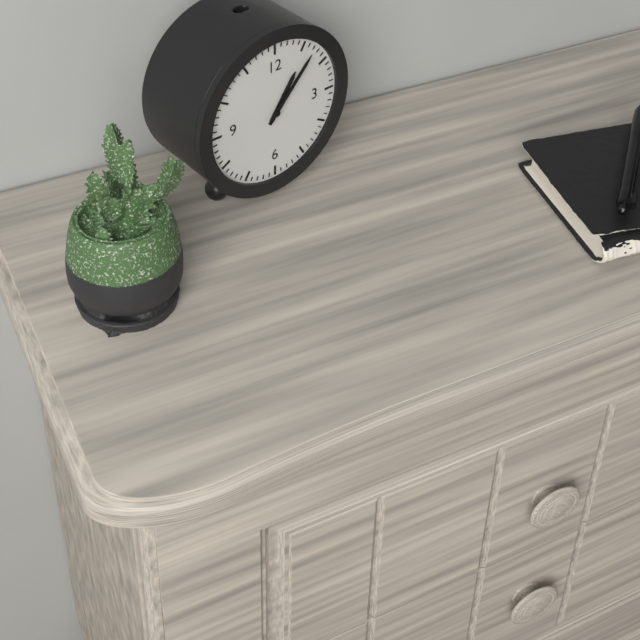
1:07
